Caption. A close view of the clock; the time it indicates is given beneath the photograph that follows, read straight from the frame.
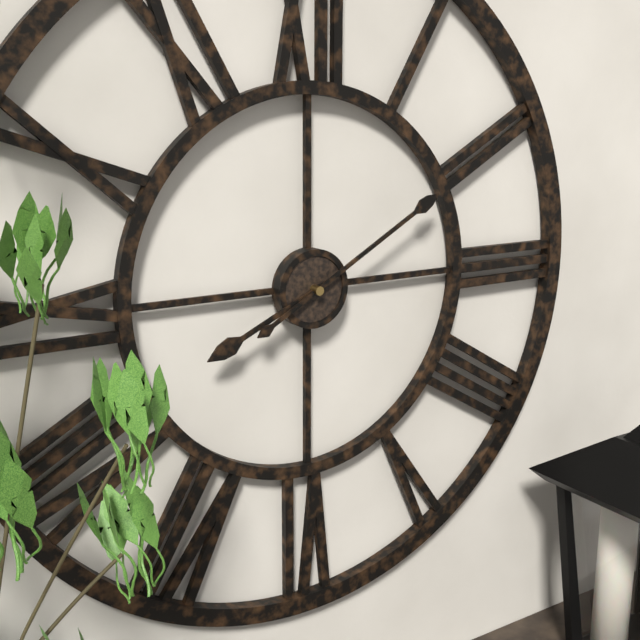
8:10
